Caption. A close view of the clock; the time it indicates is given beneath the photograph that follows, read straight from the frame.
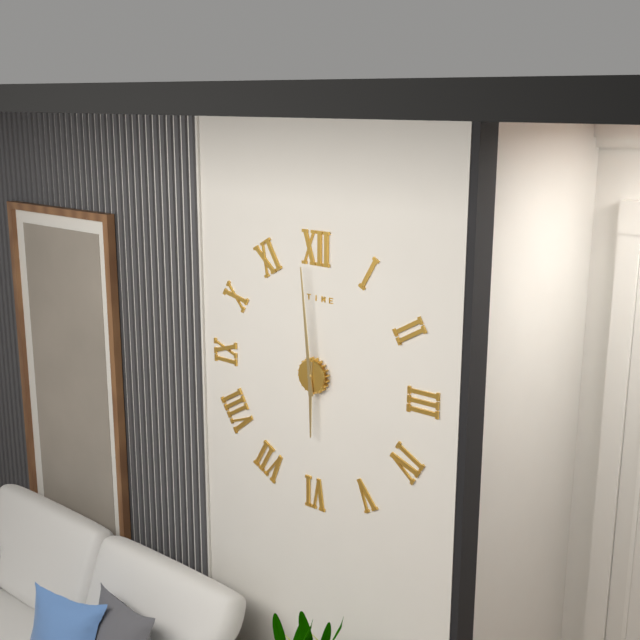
5:59
